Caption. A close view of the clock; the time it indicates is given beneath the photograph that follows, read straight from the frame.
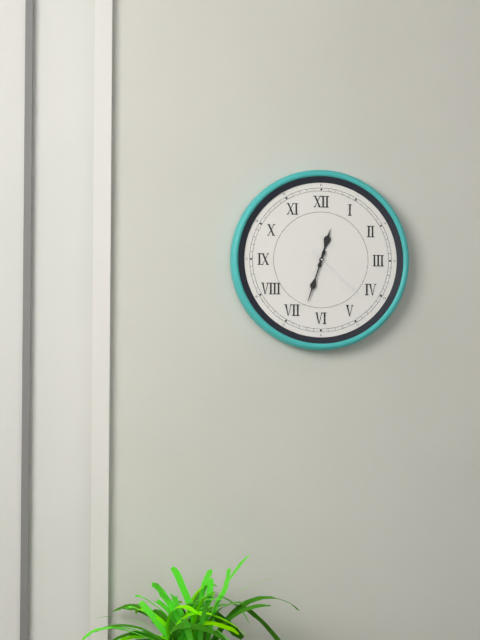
12:33:22
